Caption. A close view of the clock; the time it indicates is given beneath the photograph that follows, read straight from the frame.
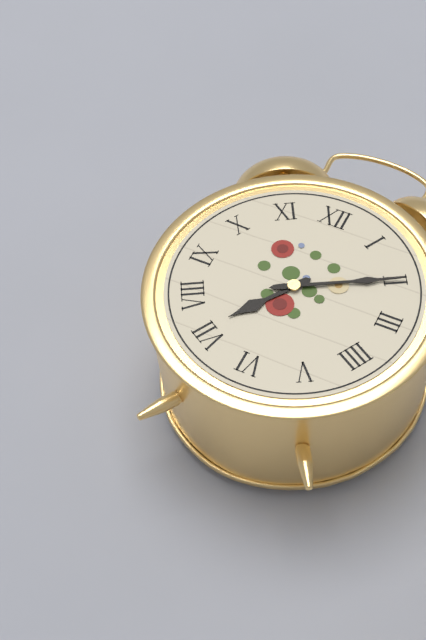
7:10
